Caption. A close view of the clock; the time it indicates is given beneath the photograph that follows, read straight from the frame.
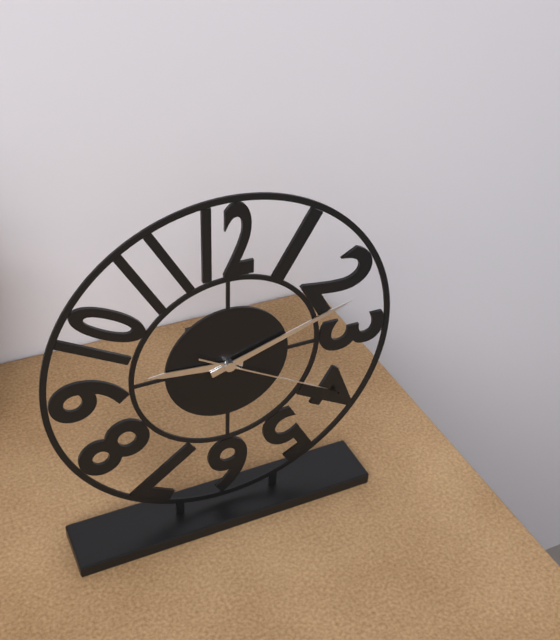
9:12:20
